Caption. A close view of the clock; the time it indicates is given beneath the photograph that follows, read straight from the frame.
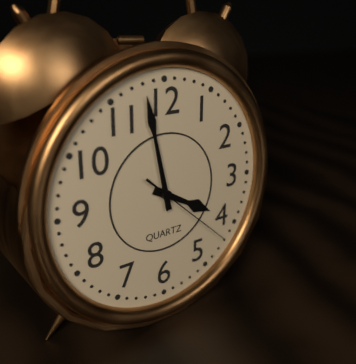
3:58:22
